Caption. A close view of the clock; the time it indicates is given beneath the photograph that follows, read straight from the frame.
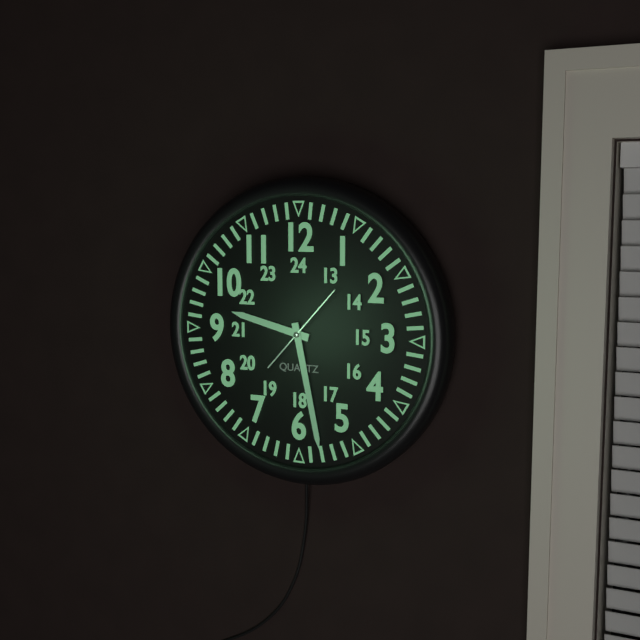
9:28:07
